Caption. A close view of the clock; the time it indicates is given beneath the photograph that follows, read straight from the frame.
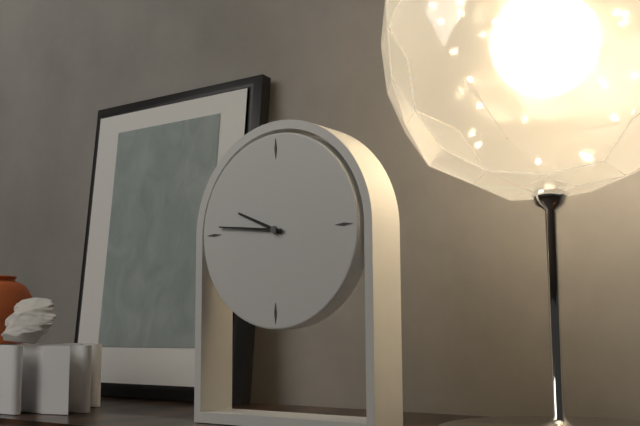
9:46
